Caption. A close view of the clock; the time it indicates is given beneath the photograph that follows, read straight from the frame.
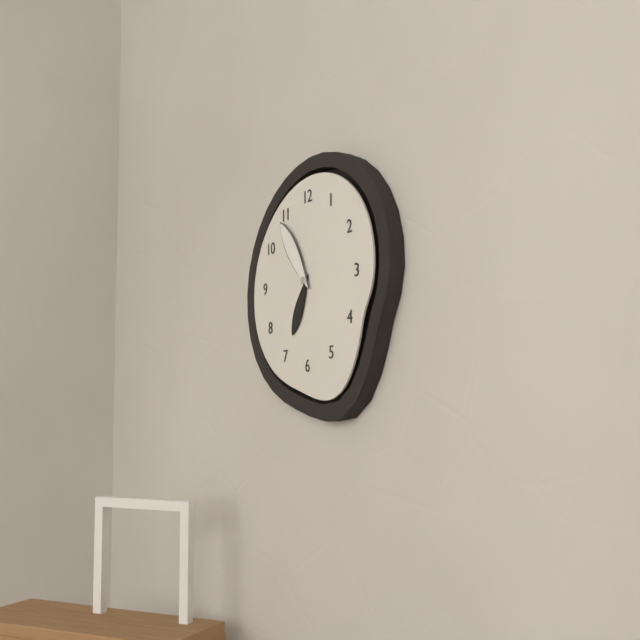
6:54
